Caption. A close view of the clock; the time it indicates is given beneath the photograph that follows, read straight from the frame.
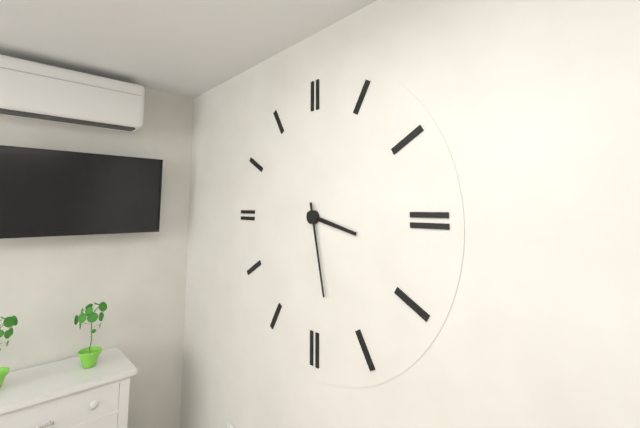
3:28
